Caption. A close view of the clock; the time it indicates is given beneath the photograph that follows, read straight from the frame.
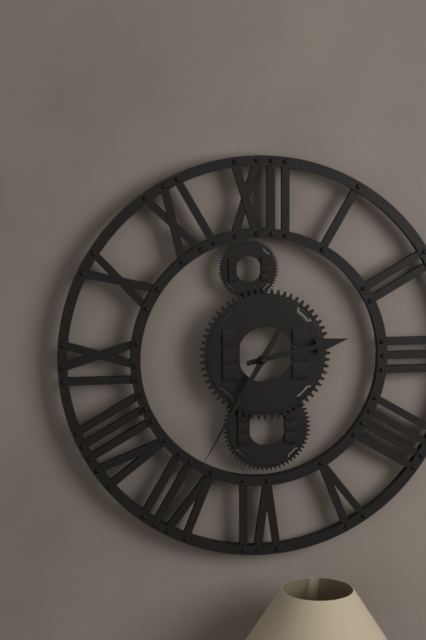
2:35
